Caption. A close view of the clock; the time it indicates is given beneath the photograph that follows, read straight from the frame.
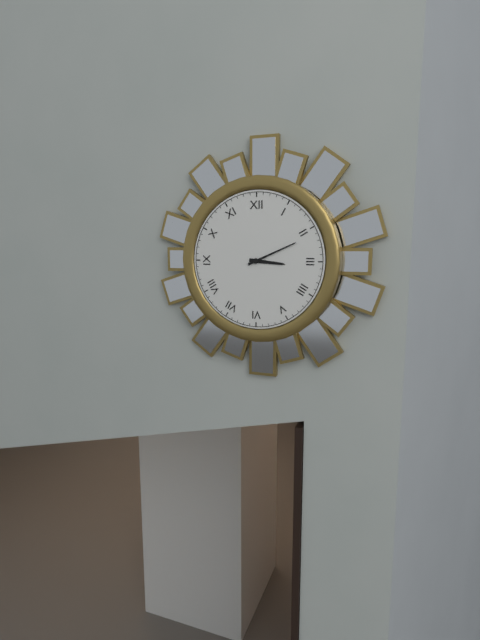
3:11
